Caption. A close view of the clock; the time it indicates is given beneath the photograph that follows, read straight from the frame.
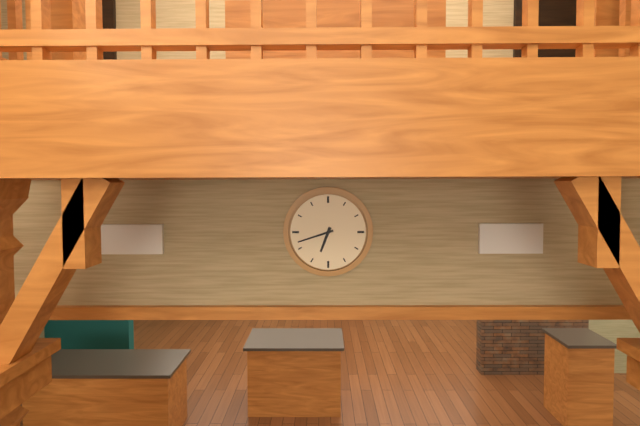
6:42
